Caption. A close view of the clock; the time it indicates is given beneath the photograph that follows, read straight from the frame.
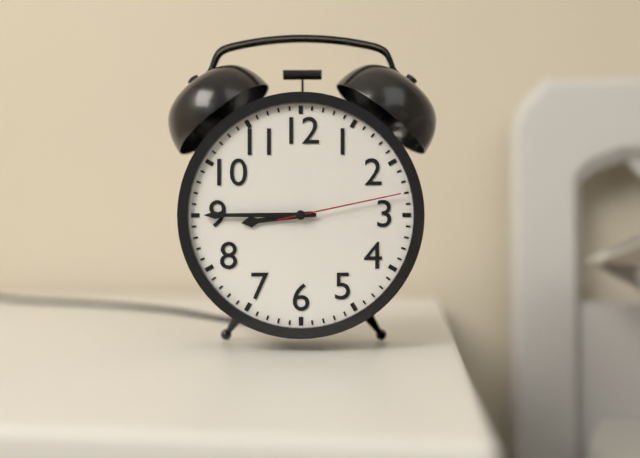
8:45:13
